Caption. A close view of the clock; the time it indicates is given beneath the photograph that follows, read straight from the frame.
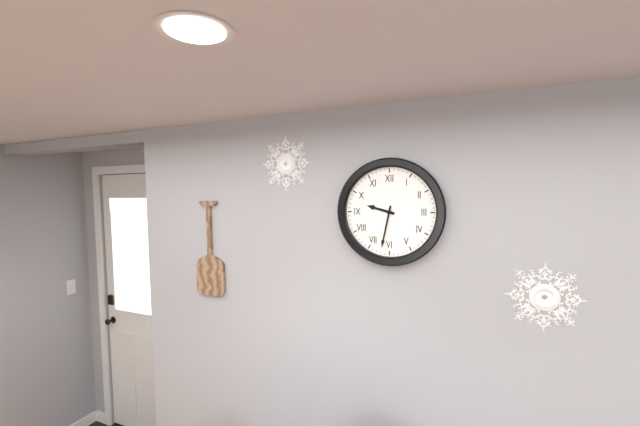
9:32
